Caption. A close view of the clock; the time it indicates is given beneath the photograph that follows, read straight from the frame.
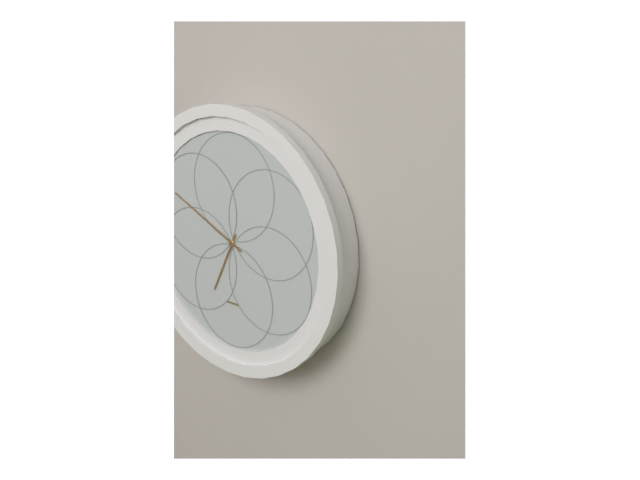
6:49
